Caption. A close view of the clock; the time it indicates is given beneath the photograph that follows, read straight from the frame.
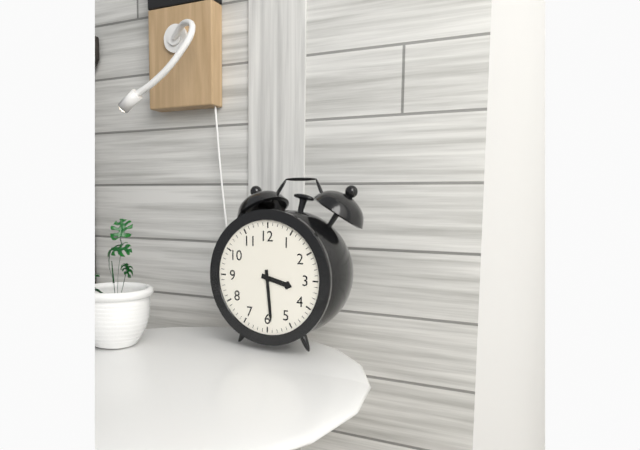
3:29
